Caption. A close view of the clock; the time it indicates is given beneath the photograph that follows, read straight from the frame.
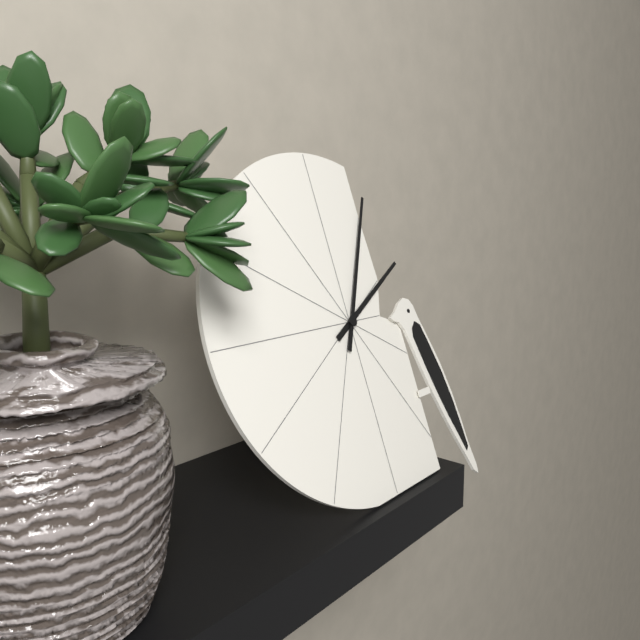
2:05
